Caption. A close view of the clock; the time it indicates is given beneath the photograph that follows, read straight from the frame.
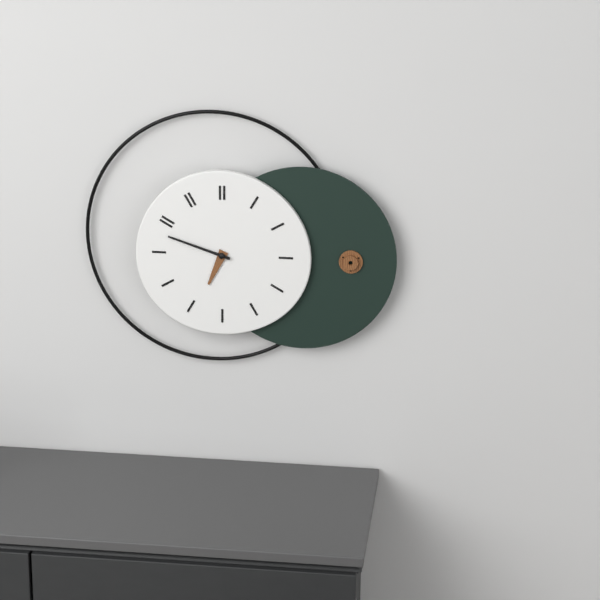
6:48
